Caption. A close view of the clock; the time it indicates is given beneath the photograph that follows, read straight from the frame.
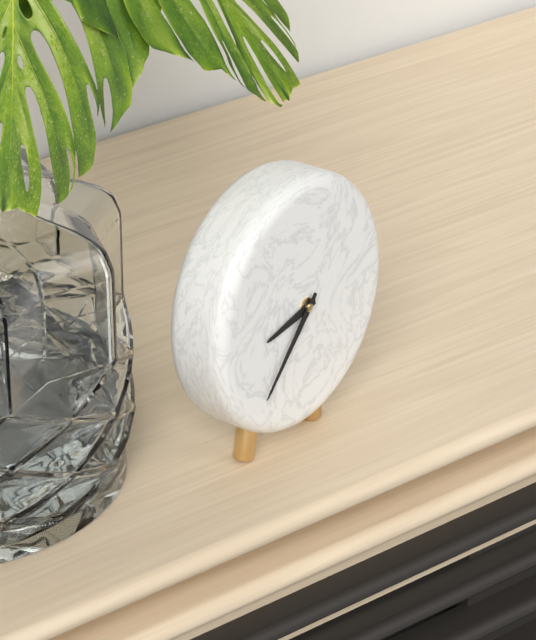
8:37
